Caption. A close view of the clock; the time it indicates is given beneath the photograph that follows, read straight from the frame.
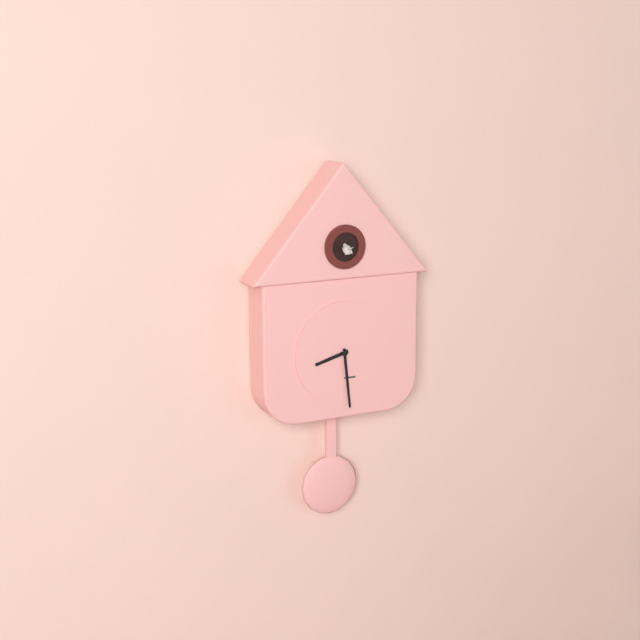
8:29
